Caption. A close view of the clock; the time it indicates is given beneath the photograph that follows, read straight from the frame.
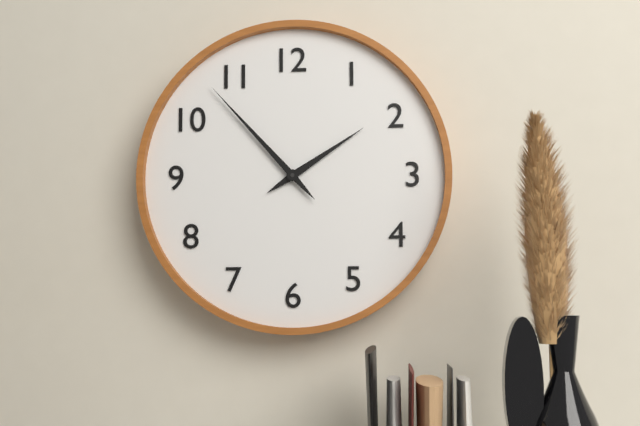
1:53
